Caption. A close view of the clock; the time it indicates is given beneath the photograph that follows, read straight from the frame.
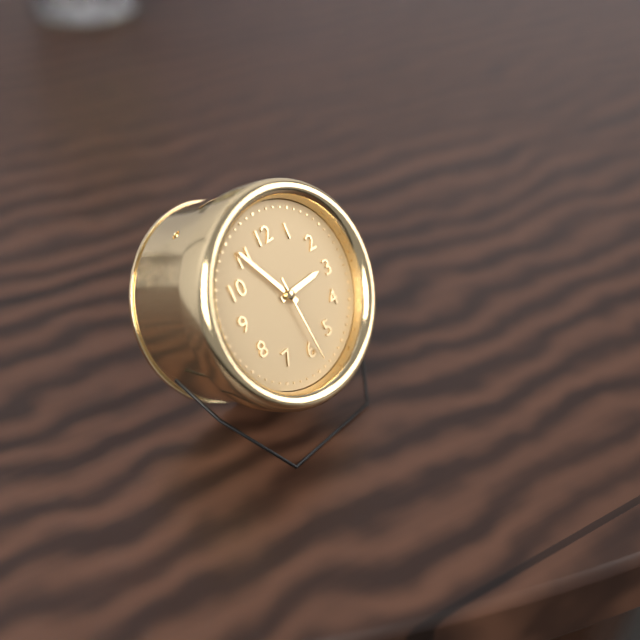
2:55:29
